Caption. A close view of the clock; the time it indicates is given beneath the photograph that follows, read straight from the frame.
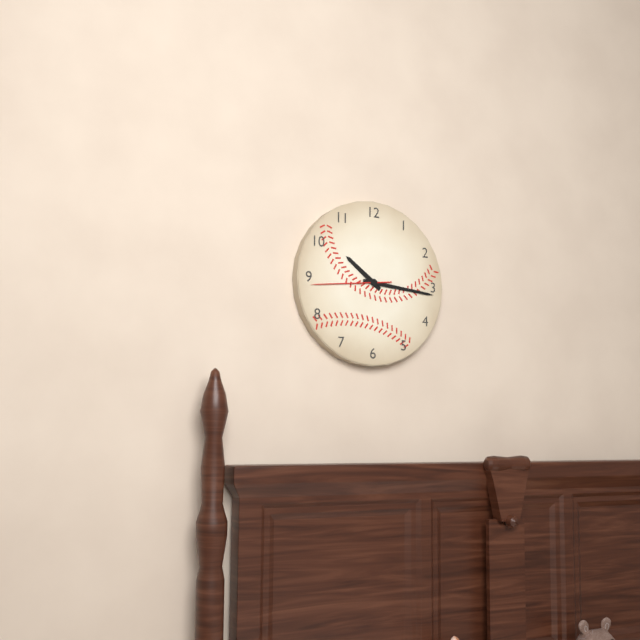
10:16:44
